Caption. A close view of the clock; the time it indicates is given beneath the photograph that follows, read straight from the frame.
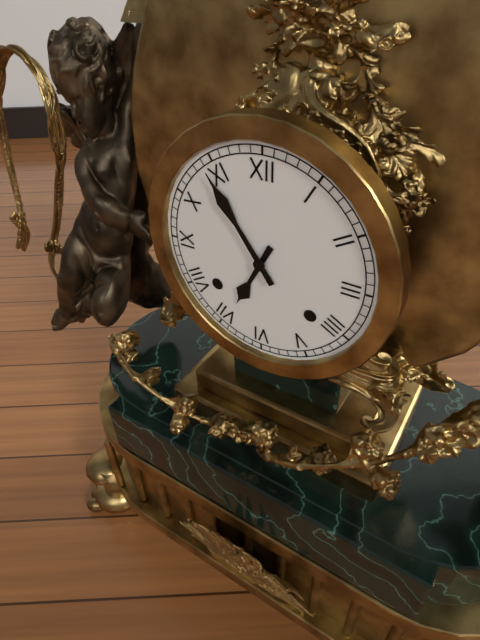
6:54
